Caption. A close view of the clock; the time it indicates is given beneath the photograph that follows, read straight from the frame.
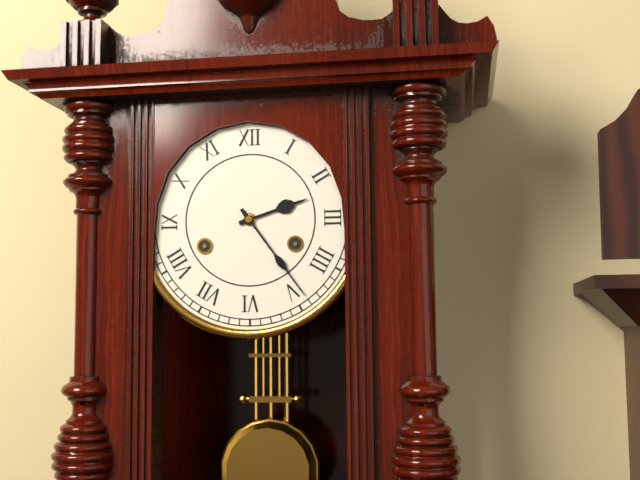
2:24
